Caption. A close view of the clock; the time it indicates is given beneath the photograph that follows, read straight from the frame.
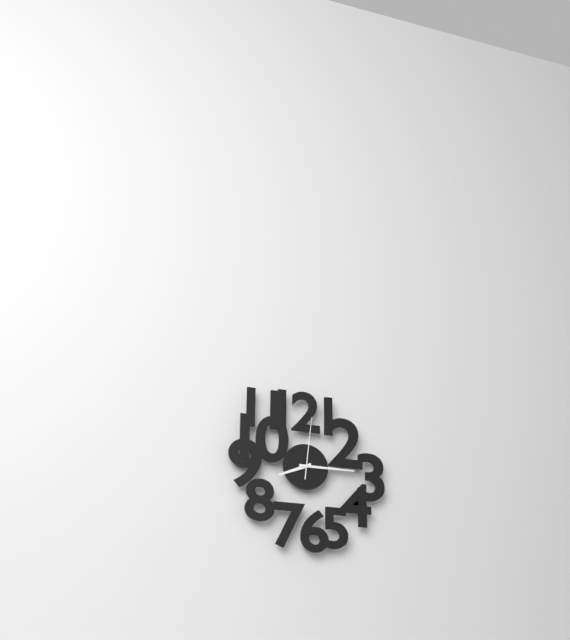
8:15:01
